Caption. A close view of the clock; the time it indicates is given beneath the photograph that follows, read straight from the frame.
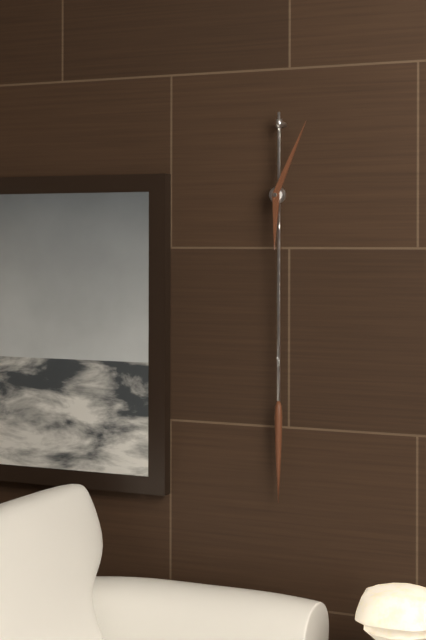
6:04
